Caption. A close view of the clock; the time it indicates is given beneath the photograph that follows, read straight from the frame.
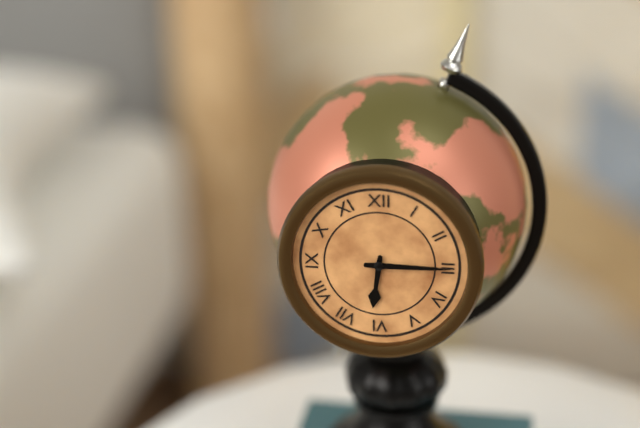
6:15
